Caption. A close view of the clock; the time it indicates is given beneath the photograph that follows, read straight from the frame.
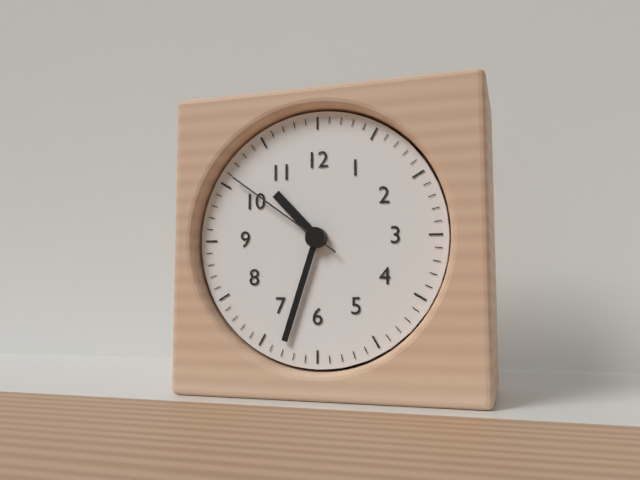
10:33:51
